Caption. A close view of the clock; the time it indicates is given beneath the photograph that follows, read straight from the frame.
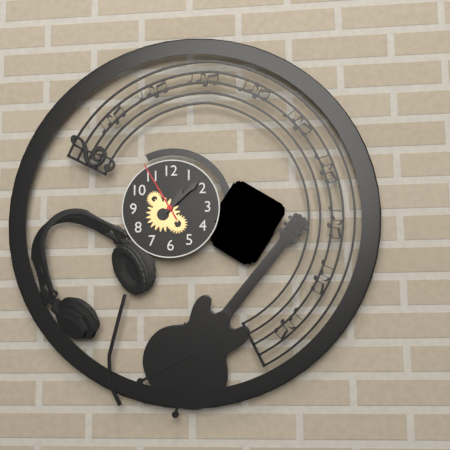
1:08:55
